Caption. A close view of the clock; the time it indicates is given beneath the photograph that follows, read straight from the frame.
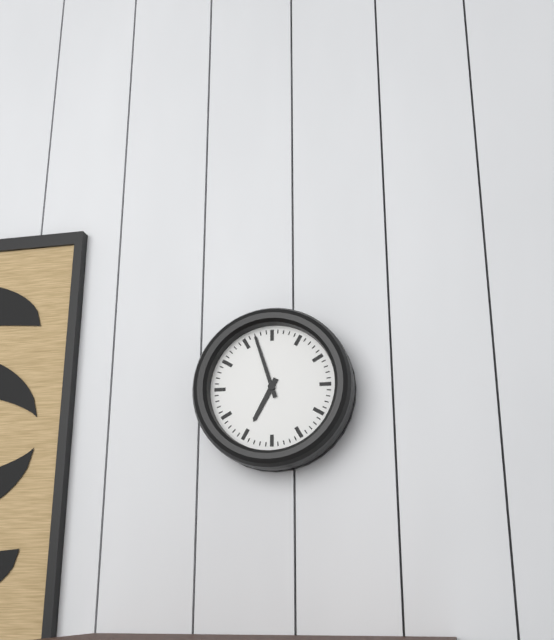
6:57
